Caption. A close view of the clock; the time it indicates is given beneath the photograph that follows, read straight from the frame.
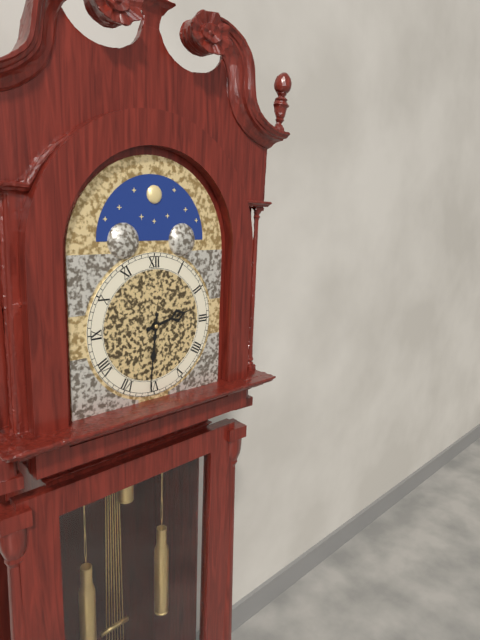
2:31
